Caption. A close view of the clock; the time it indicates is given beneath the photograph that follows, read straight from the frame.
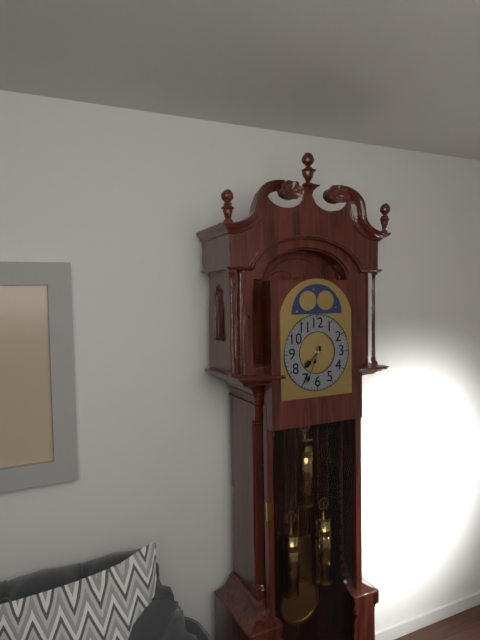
7:34
